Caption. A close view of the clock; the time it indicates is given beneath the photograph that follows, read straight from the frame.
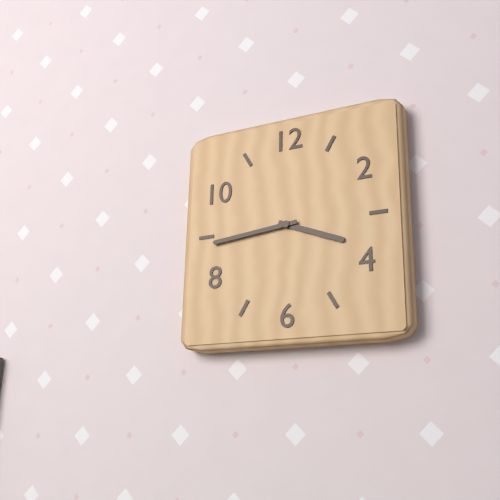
3:44
